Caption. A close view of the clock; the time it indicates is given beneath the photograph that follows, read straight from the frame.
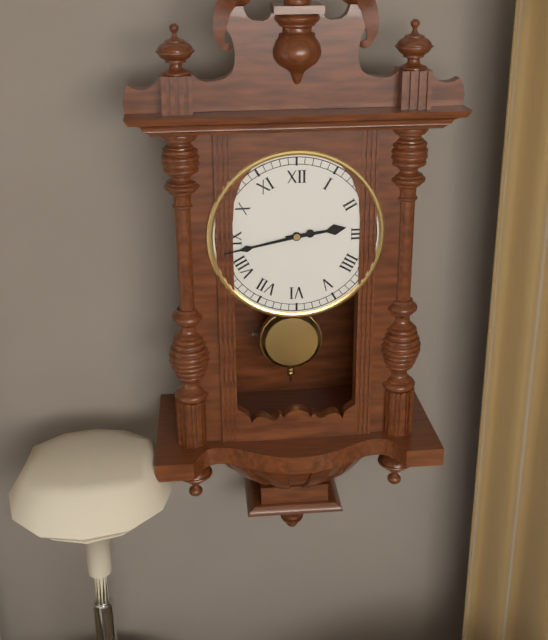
2:43
